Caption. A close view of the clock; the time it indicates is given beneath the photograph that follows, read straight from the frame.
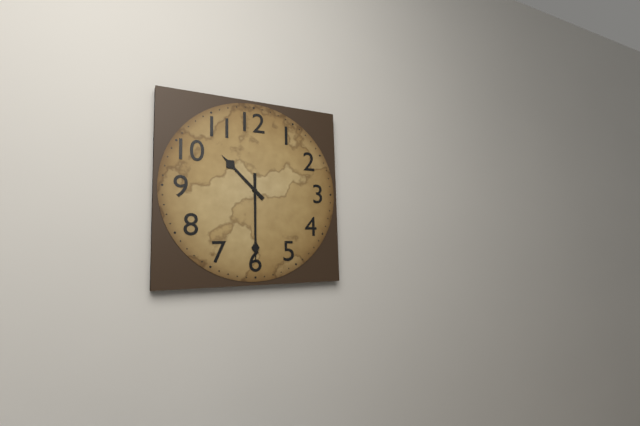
10:30
